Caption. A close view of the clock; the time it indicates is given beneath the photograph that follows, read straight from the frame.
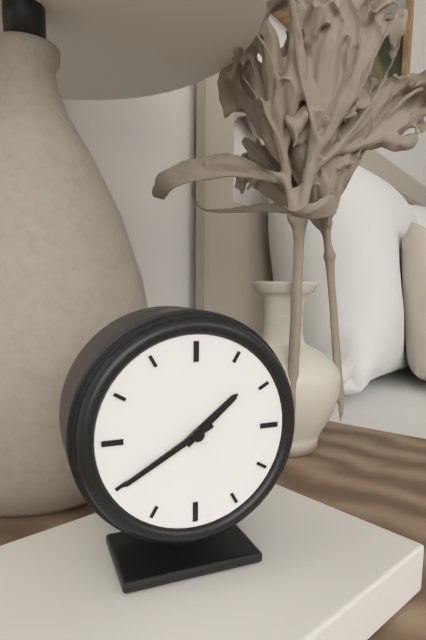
1:40
